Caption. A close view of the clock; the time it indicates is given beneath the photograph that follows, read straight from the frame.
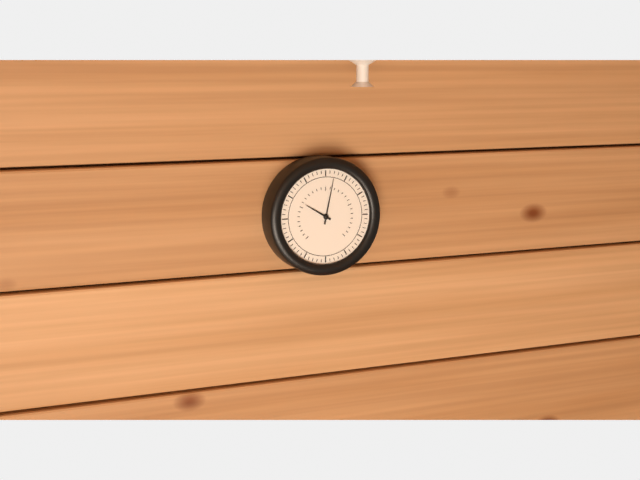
10:02
